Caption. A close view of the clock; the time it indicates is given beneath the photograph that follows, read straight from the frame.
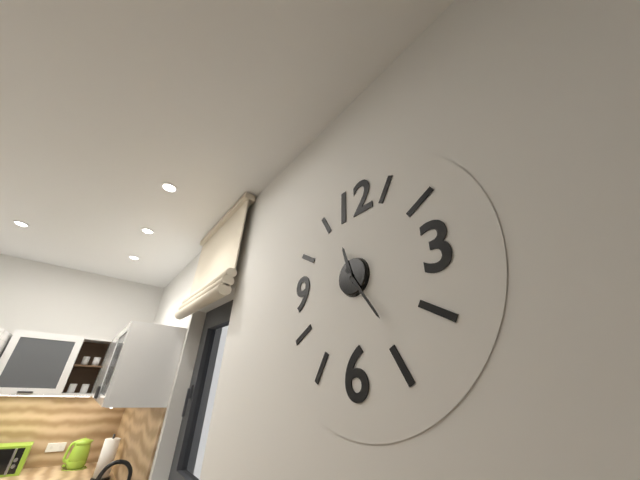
11:24
